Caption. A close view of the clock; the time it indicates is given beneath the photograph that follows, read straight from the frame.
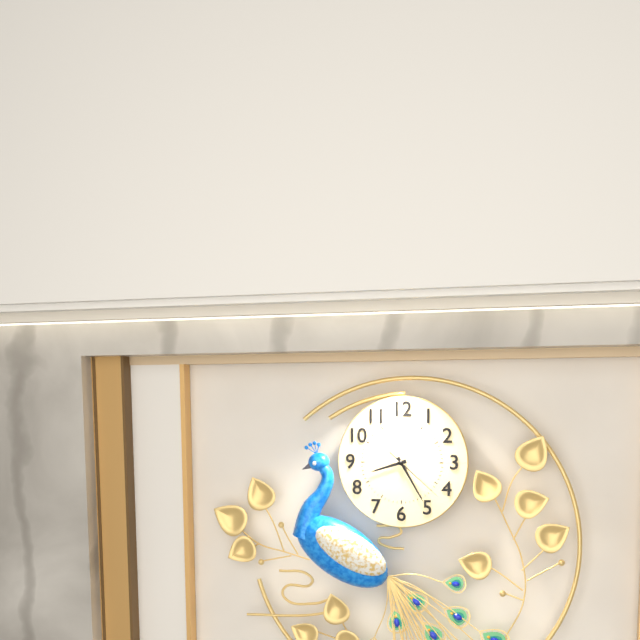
8:25:22
